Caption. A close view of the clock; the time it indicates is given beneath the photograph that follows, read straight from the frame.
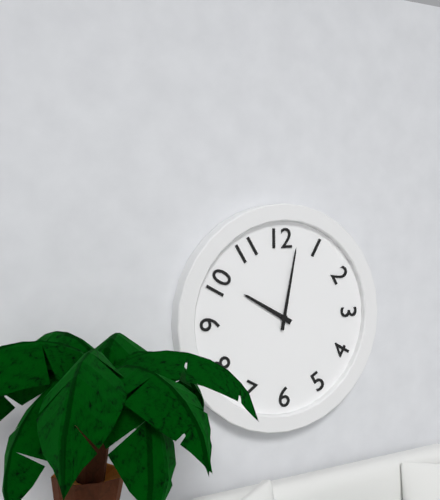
10:02
